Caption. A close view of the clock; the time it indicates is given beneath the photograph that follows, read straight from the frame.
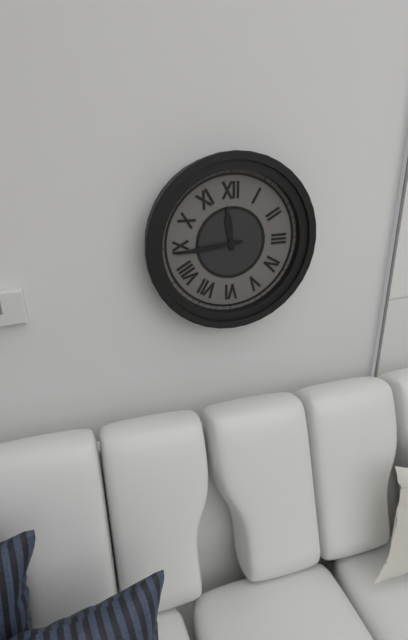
11:44
